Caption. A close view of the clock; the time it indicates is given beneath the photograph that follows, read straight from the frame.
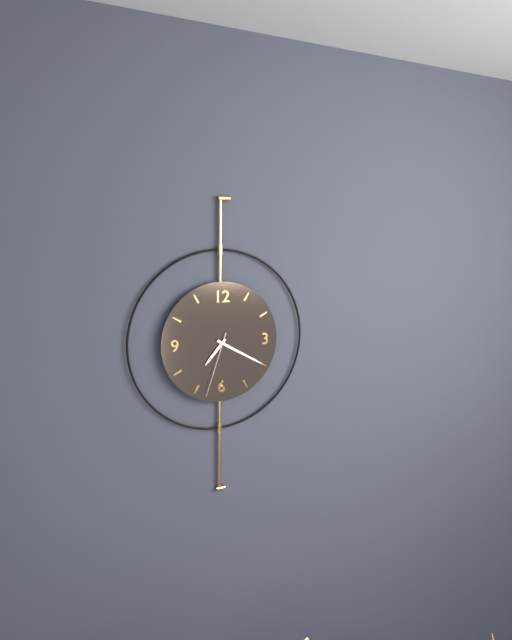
7:20:33
